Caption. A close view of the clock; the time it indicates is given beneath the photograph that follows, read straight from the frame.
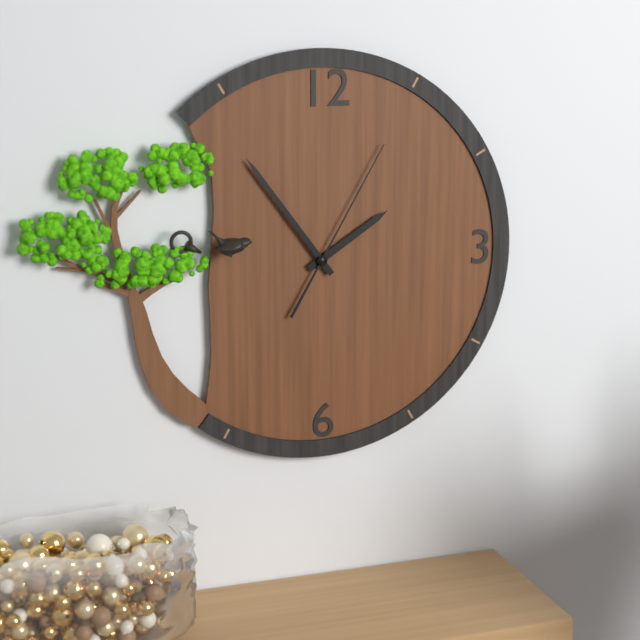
1:54:05
